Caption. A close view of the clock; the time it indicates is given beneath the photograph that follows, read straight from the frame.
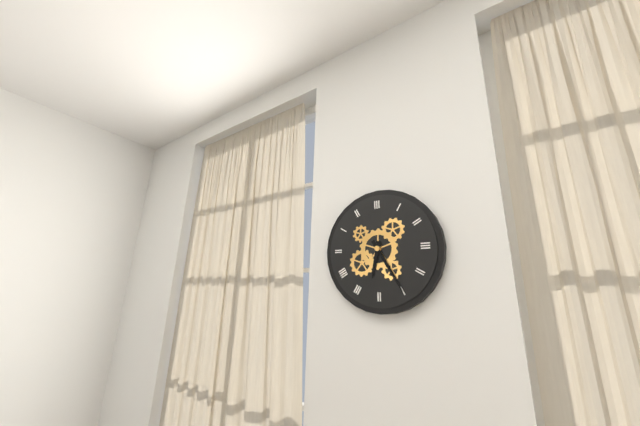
6:25
